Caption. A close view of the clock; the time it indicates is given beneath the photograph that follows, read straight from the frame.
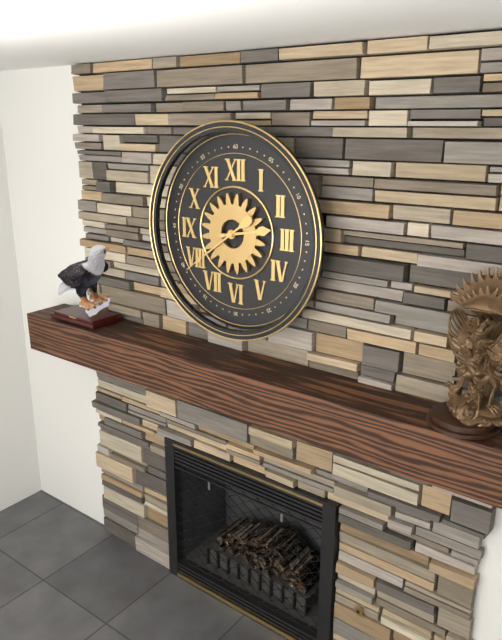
2:39
